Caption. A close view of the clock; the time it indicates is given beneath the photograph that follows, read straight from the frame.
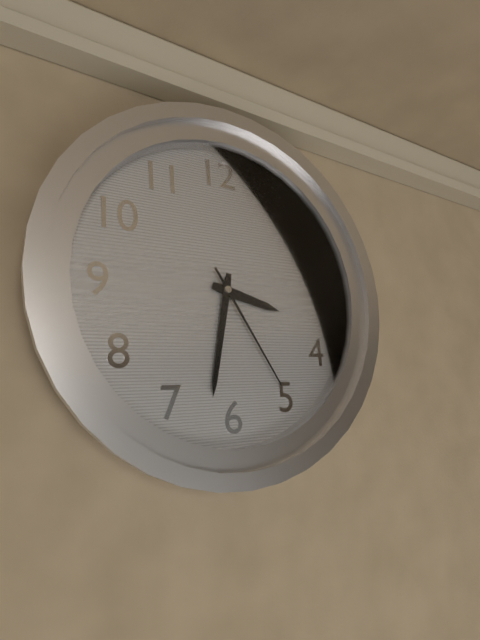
3:32:25
